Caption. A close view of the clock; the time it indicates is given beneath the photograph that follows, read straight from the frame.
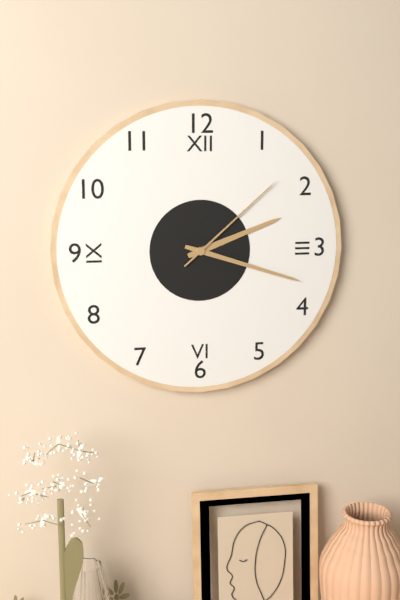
2:18:08
